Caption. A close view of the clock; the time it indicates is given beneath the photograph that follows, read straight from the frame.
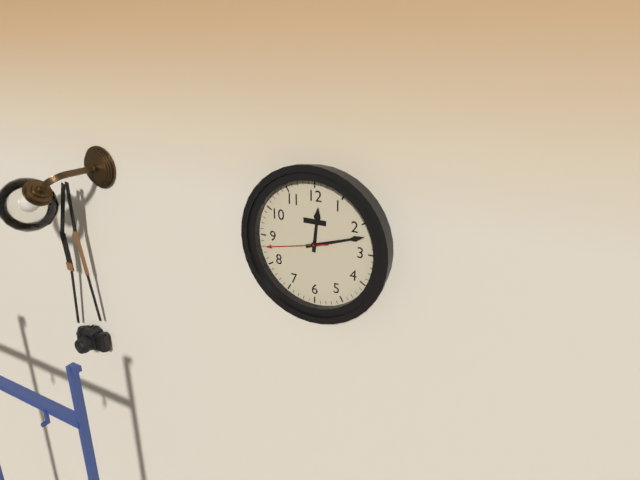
12:12:43
